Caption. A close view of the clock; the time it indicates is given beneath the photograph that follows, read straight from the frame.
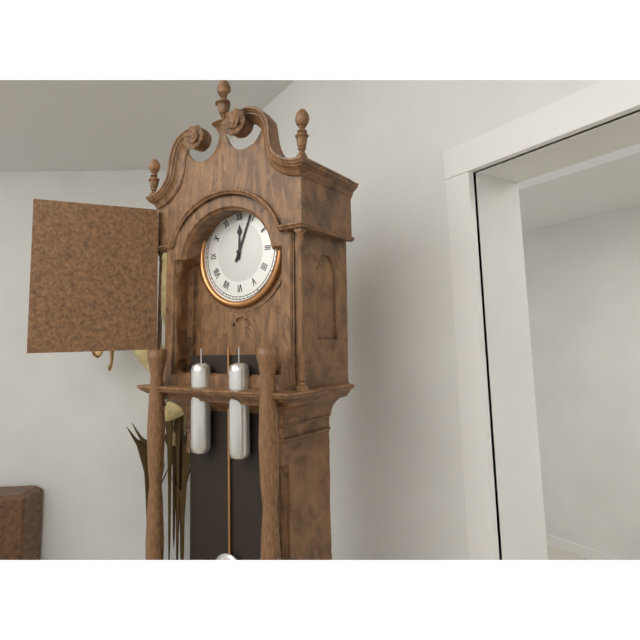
12:04
